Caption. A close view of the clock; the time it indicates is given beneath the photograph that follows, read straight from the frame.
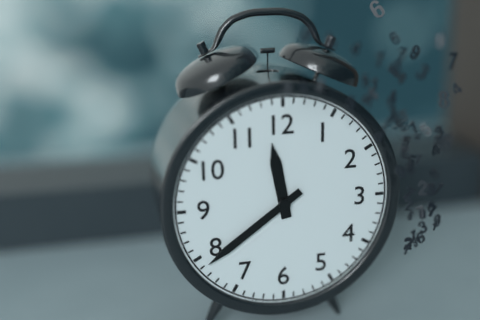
11:39
